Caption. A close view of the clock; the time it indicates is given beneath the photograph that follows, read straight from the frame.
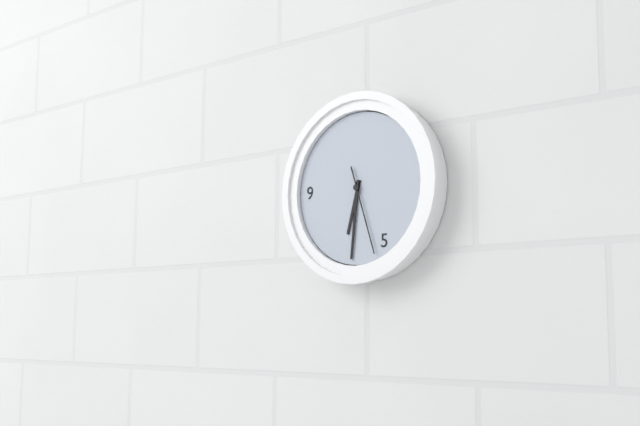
6:31:27
